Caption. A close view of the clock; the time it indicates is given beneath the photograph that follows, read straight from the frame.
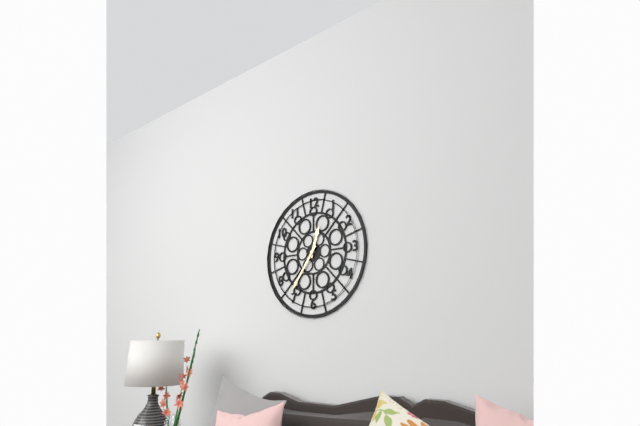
12:36
